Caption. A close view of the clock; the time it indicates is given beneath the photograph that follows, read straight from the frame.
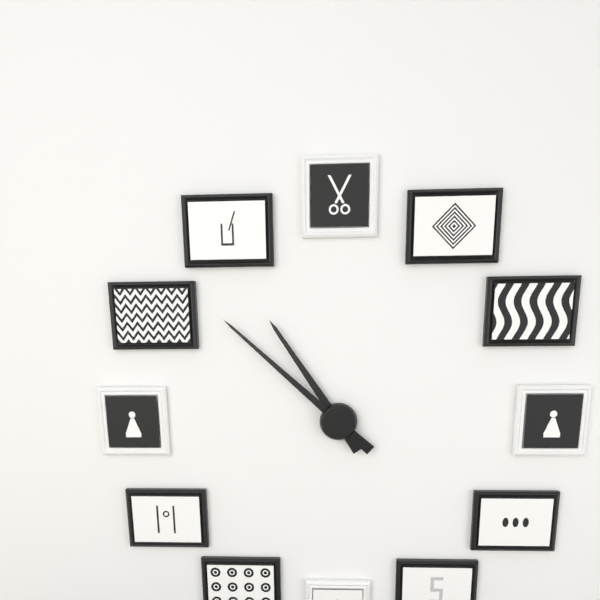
10:52
